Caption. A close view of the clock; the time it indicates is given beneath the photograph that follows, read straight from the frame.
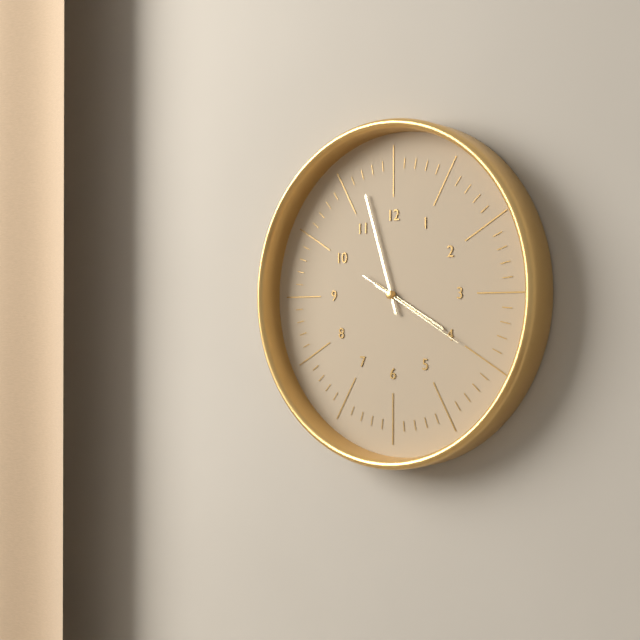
3:57:20
